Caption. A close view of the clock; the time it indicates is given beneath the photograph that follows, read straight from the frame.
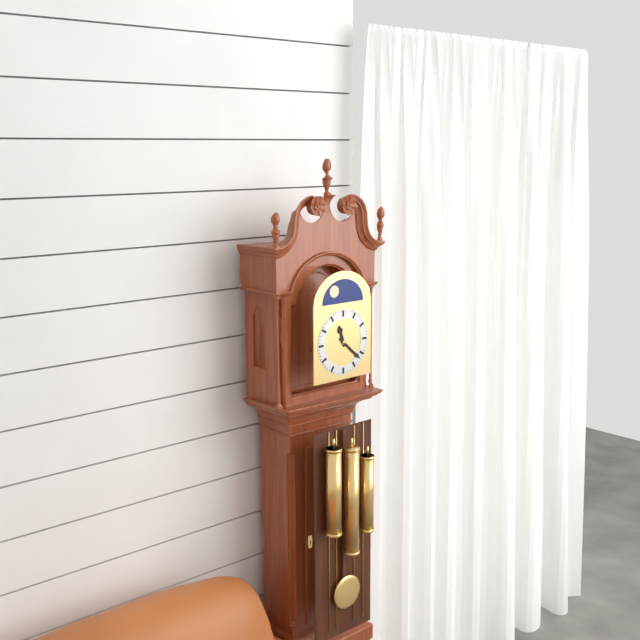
11:22
